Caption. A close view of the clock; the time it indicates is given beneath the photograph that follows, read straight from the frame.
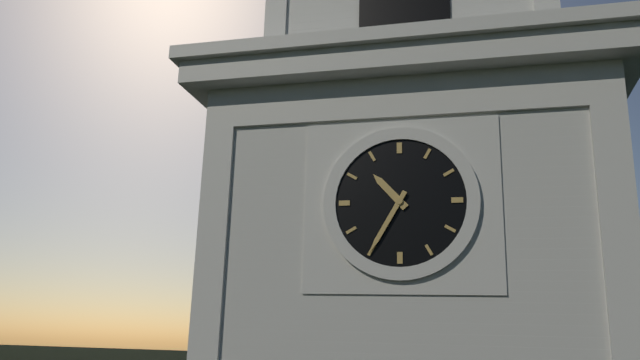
10:35
